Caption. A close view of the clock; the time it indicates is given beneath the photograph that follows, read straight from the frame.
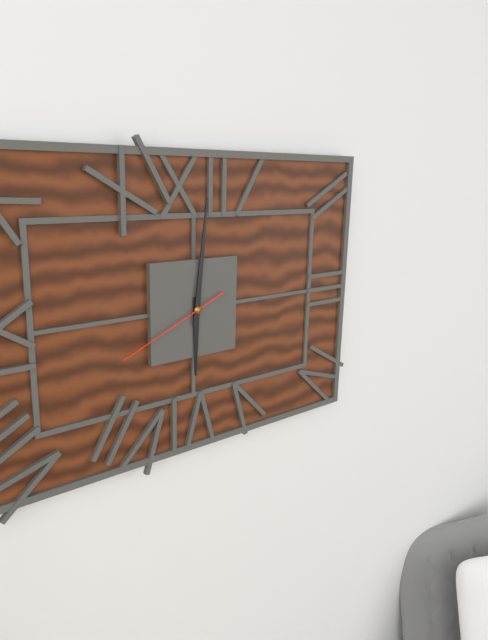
6:01:41
